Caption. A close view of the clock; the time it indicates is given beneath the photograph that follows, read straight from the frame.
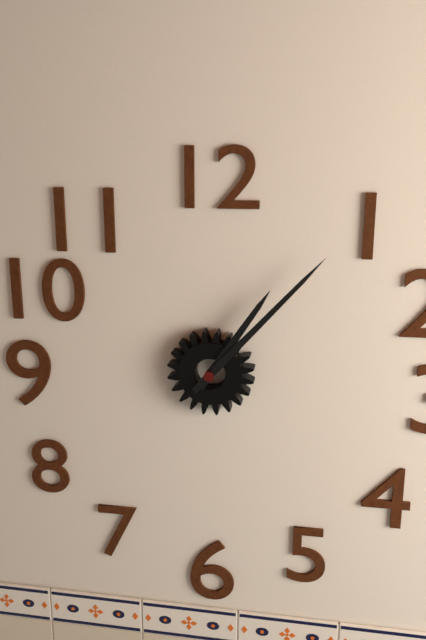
1:07
